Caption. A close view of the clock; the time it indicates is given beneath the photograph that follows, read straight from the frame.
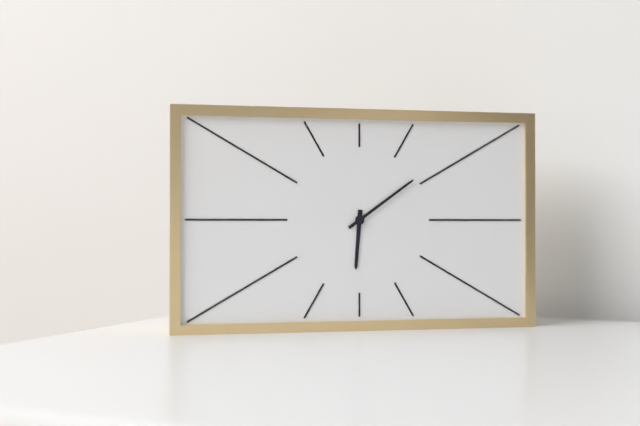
6:09
